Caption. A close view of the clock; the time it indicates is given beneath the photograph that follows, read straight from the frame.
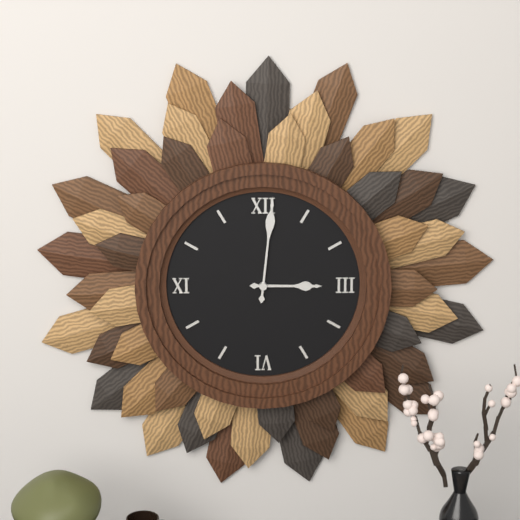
3:01
